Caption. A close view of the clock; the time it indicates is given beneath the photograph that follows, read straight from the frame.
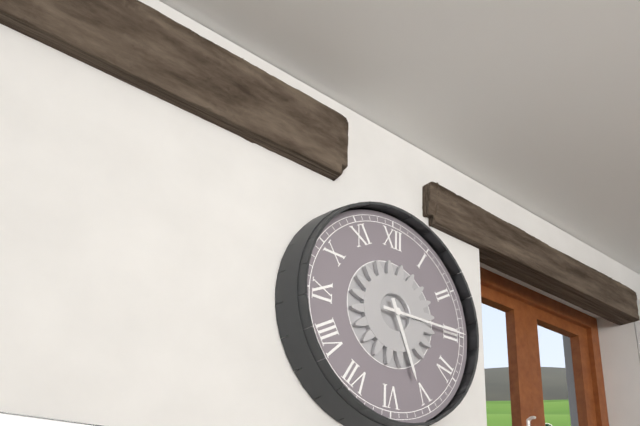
5:15
